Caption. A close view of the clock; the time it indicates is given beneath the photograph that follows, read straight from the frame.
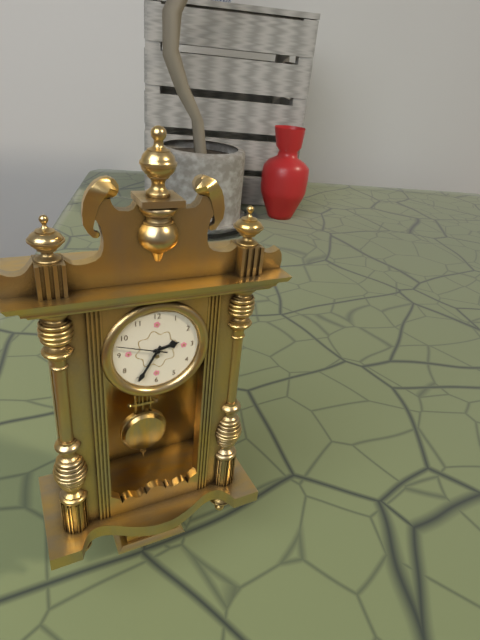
2:35:48
